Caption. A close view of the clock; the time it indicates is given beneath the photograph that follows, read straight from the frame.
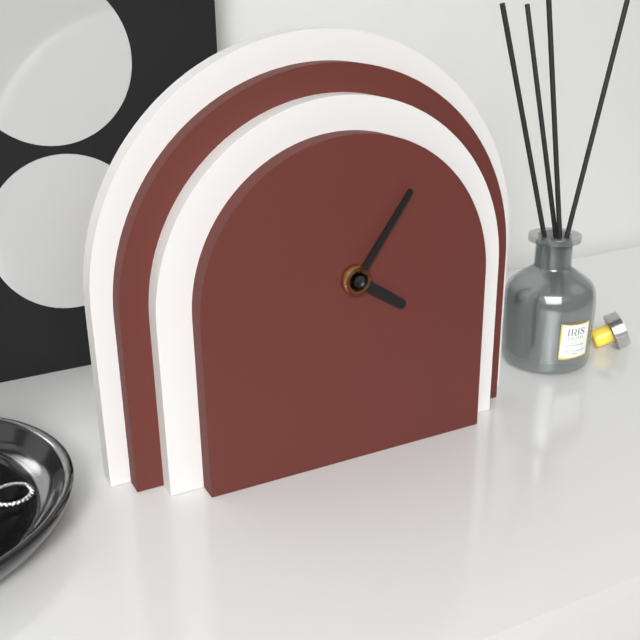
4:06
